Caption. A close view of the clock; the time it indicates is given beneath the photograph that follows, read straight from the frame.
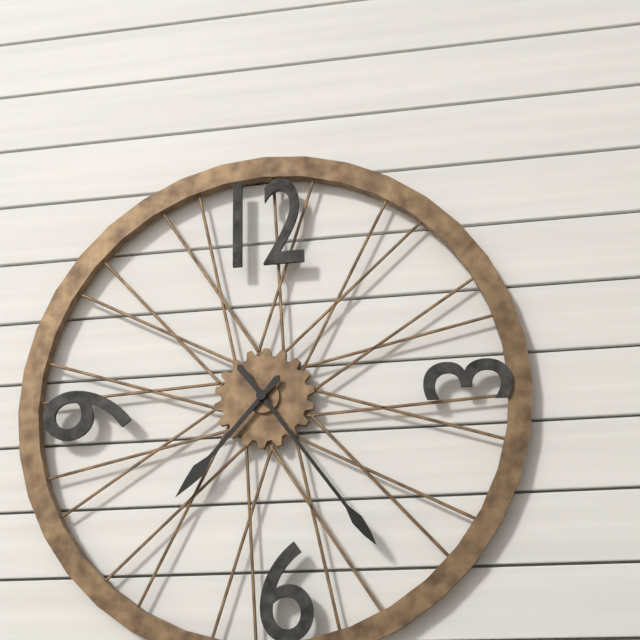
7:24
